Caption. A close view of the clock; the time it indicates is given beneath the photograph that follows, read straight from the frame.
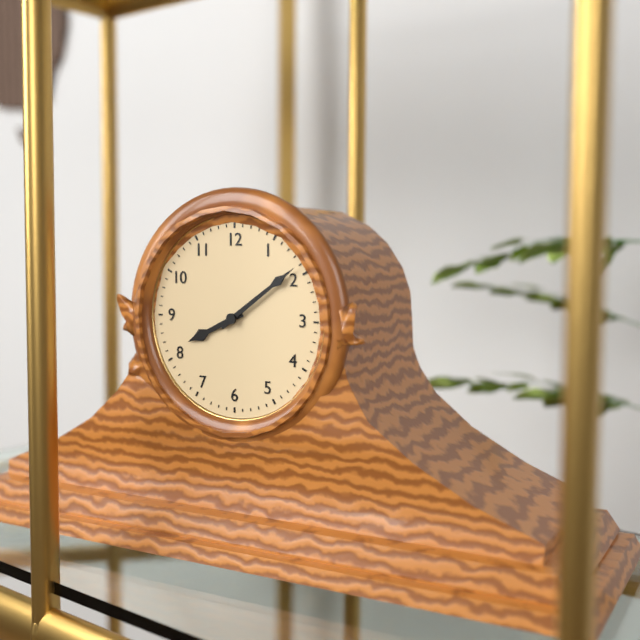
8:09
